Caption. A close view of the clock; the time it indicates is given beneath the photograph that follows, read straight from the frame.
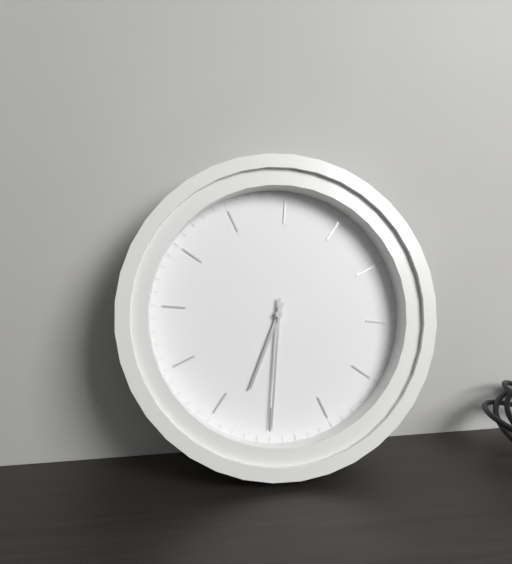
7:35
